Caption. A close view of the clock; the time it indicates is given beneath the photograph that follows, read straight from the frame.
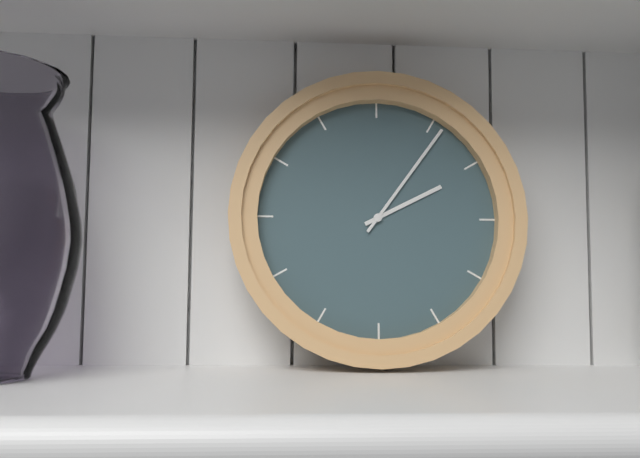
2:06
